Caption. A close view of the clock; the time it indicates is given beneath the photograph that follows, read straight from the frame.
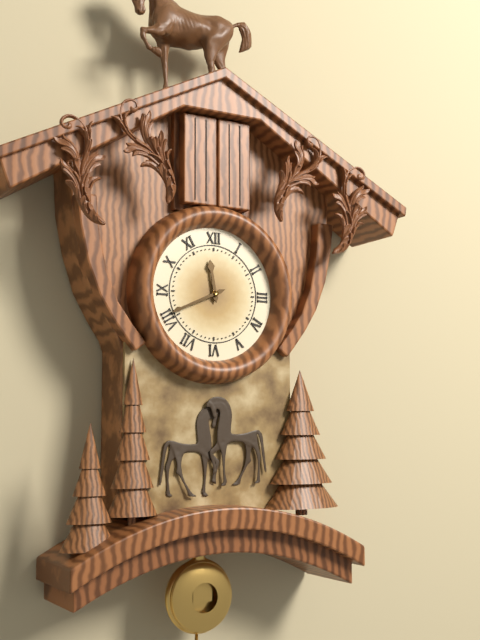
11:41
